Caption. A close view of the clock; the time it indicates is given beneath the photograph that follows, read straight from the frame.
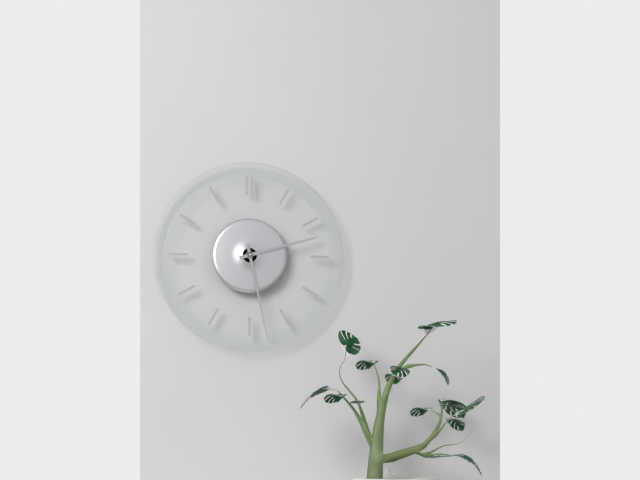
2:28
